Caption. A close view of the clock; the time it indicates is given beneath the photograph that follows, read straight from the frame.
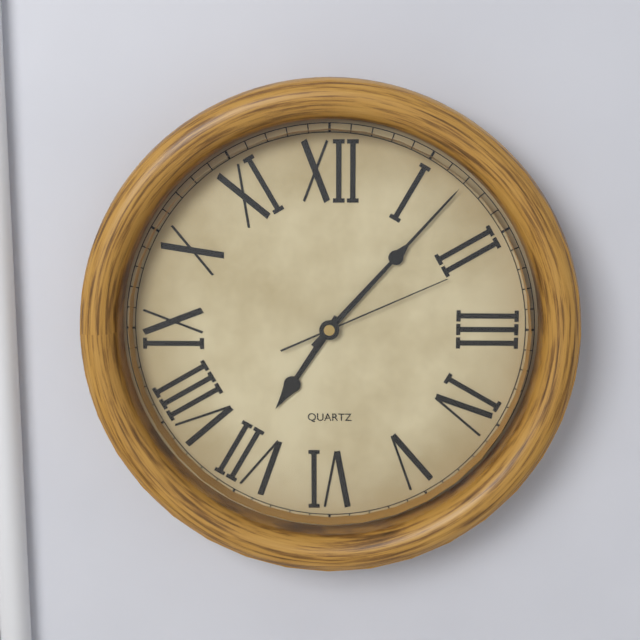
7:07:11
